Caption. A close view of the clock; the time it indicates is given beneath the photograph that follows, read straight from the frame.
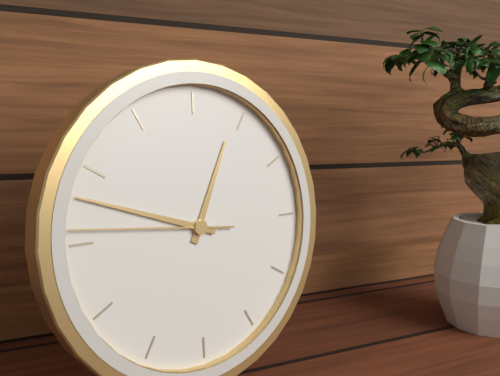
12:48:46
